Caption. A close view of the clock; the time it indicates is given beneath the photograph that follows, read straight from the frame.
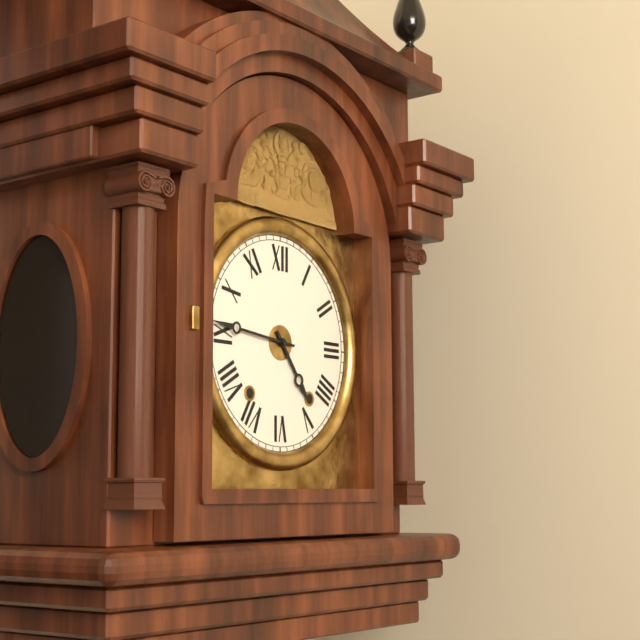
4:46
